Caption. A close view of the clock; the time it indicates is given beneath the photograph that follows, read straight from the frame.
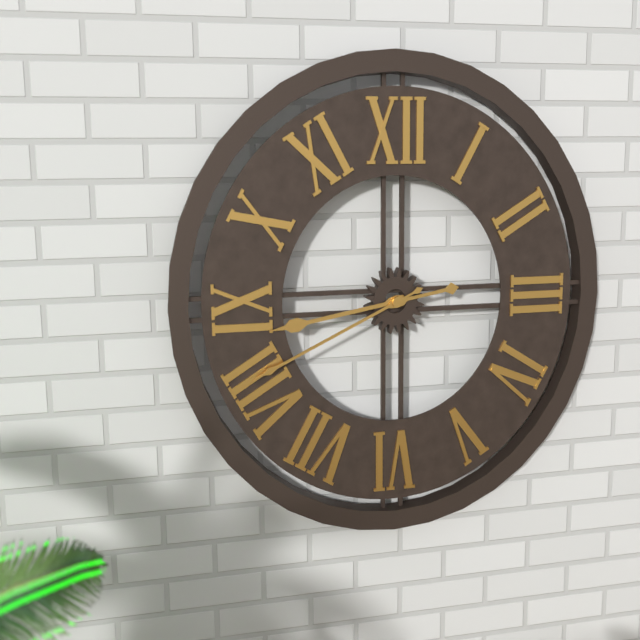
8:41
